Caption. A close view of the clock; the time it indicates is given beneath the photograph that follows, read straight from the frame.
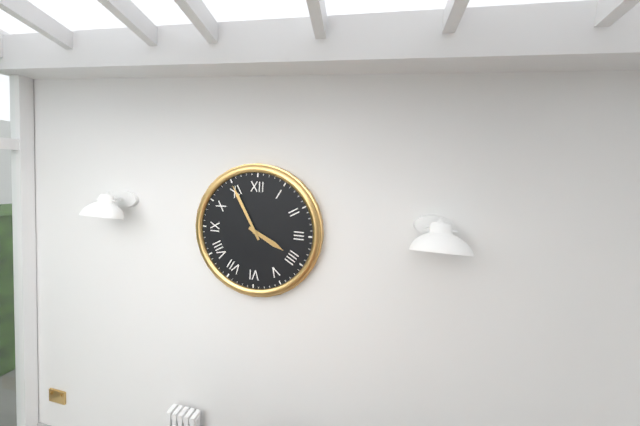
3:55
